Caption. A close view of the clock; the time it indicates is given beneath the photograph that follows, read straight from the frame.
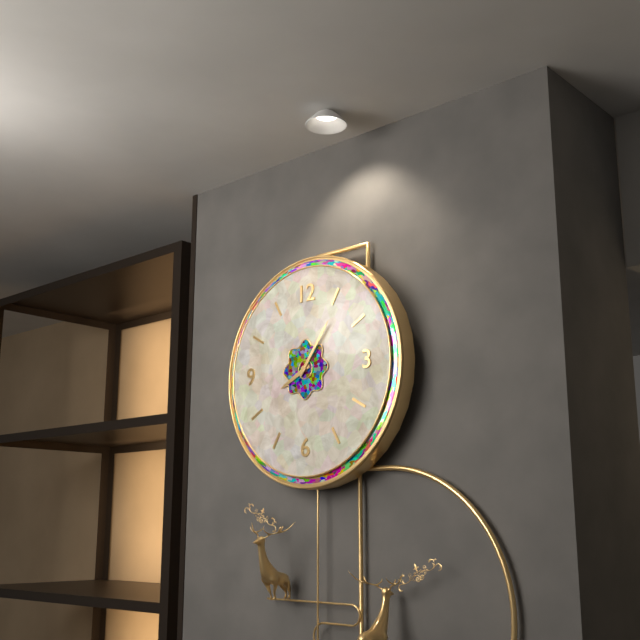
8:06
